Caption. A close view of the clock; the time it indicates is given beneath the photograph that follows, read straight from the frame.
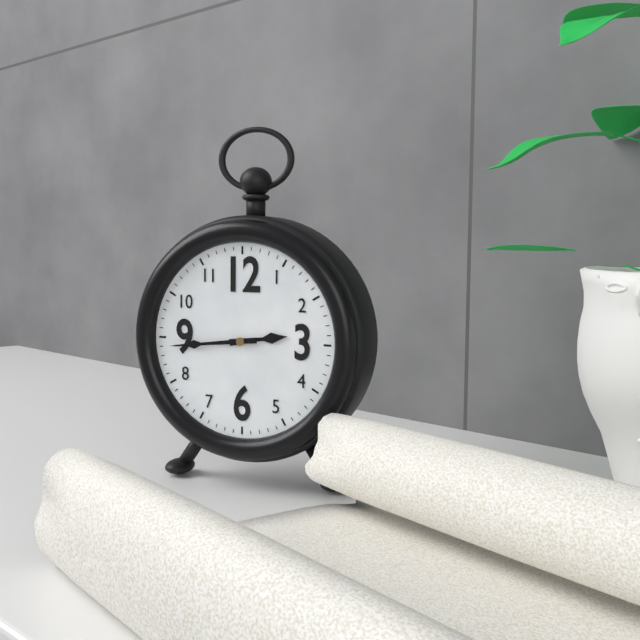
2:44
